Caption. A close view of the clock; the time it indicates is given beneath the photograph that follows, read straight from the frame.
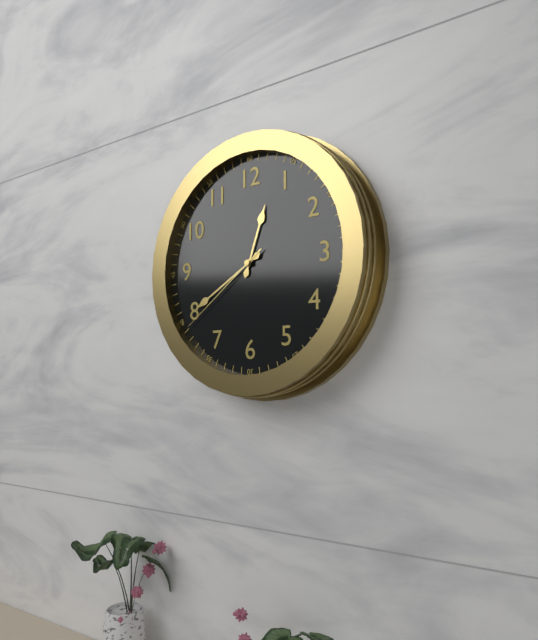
12:40:39
